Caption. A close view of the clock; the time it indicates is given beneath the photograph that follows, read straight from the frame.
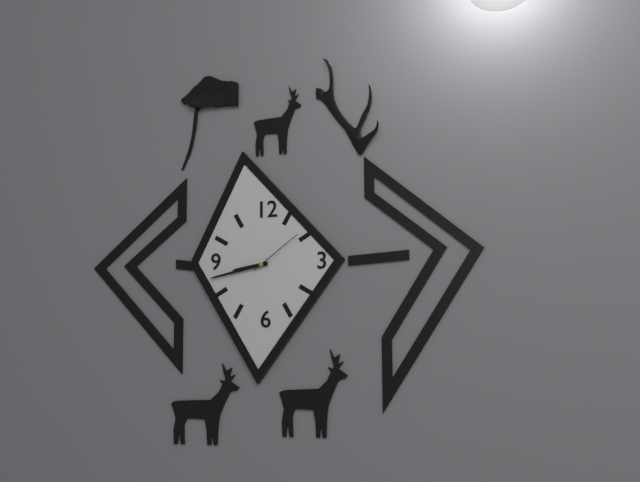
8:43:09
